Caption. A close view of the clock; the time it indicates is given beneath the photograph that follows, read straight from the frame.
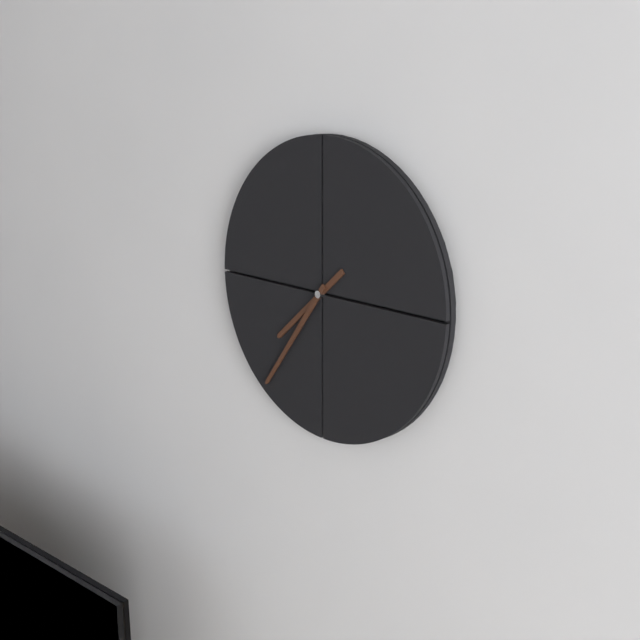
7:36
